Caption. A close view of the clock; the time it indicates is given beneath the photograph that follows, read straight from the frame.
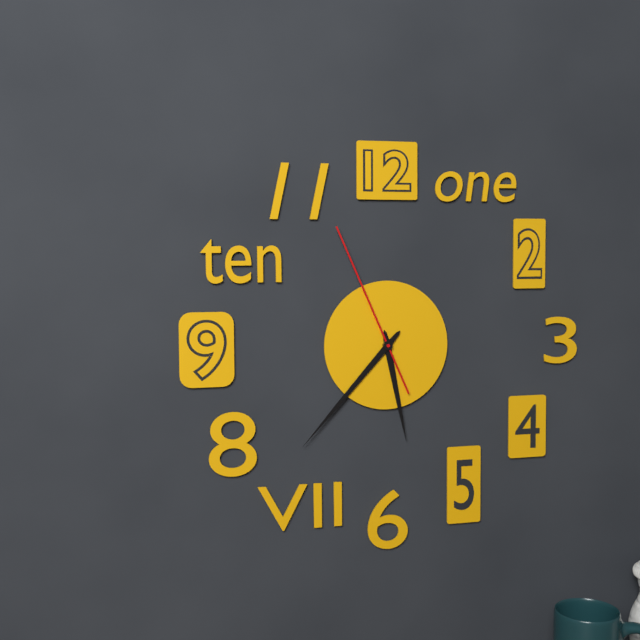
5:37:56
